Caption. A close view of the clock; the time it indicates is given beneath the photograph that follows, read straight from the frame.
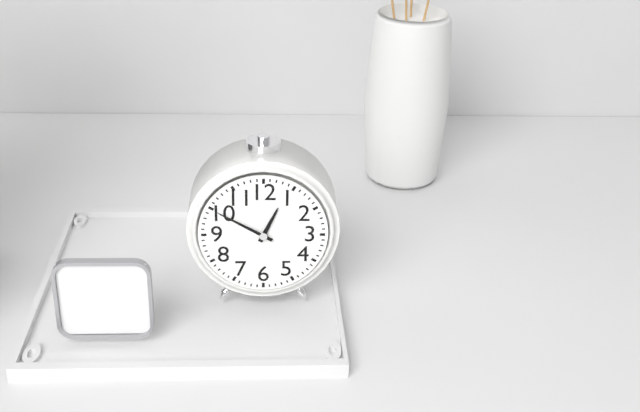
12:50
